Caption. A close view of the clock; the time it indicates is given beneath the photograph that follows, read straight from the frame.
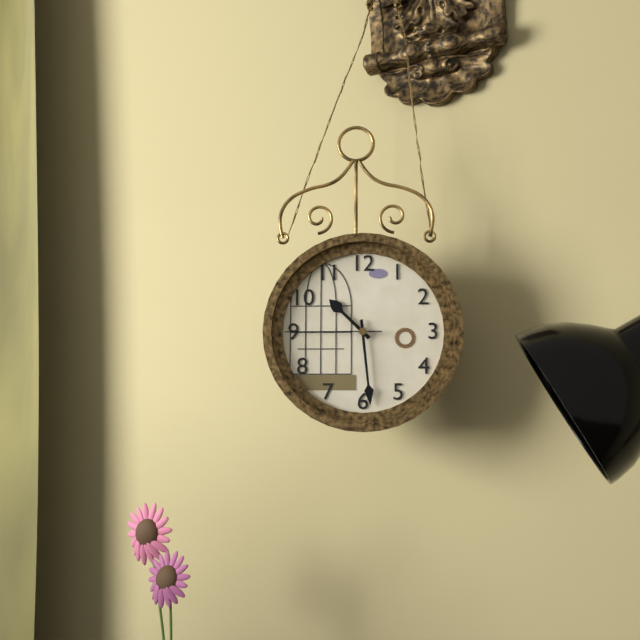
10:29:45
